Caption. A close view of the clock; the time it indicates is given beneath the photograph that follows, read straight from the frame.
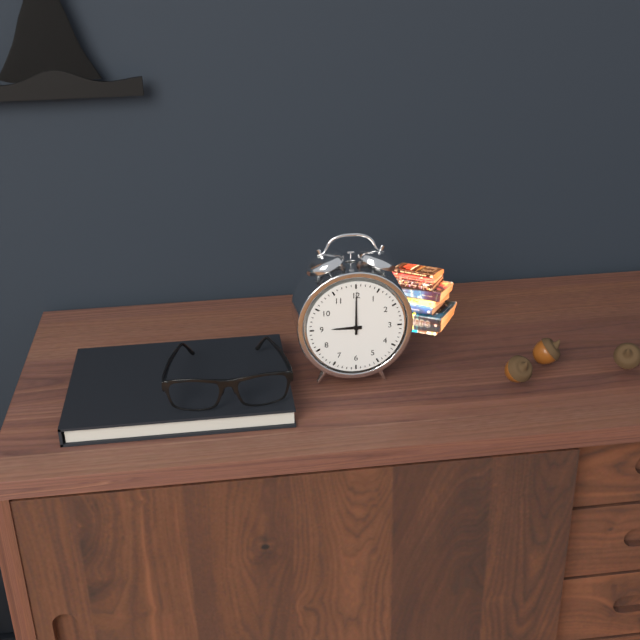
9:00
